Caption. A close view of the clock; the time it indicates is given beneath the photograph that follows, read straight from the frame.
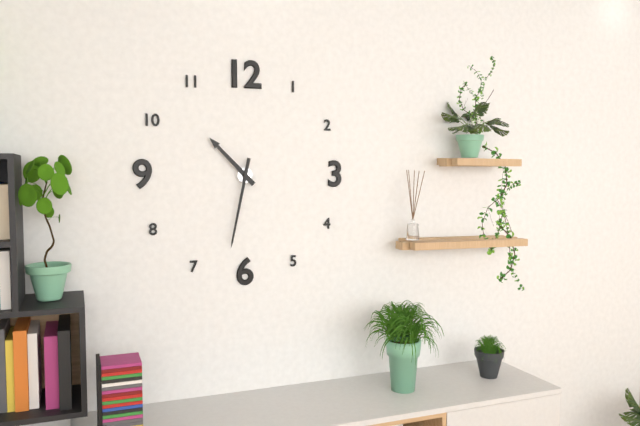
10:32
